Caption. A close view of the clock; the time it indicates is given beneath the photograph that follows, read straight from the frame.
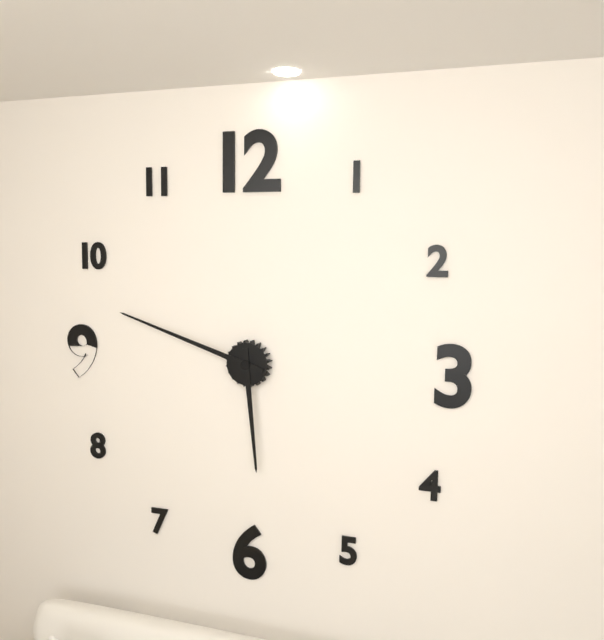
5:48
